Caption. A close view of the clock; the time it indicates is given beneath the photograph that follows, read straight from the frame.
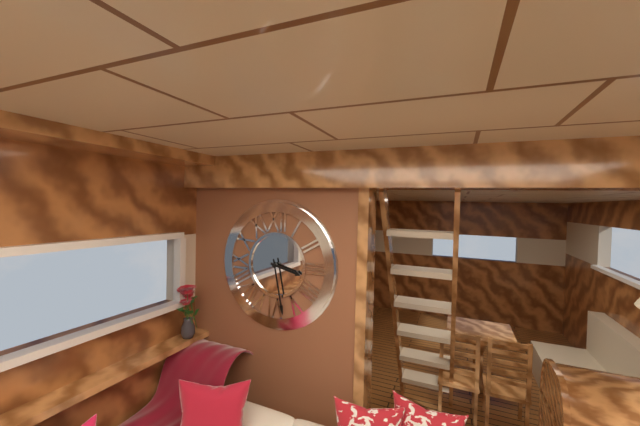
3:28
